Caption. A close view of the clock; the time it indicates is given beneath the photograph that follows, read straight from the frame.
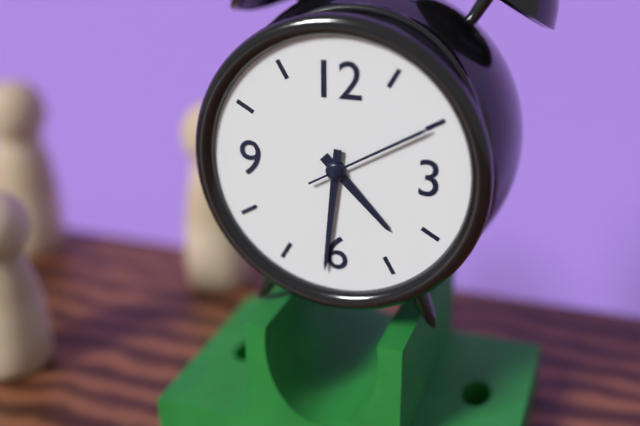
4:31:10
